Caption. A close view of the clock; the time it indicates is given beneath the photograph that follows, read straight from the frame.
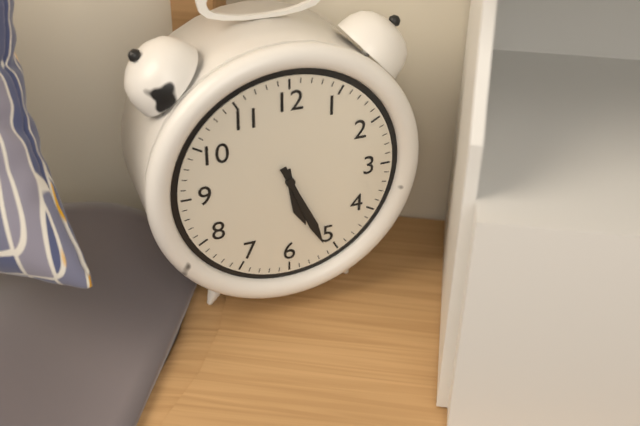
5:26
